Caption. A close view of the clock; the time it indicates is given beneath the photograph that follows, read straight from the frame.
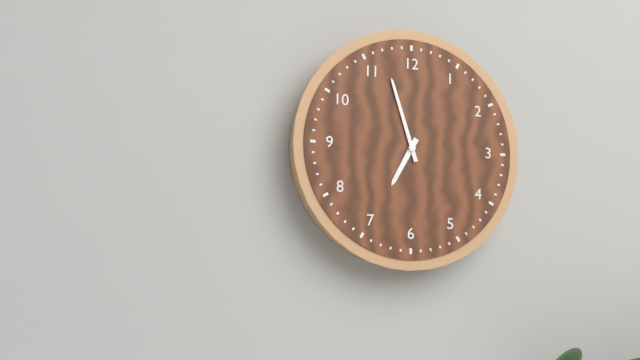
6:57
